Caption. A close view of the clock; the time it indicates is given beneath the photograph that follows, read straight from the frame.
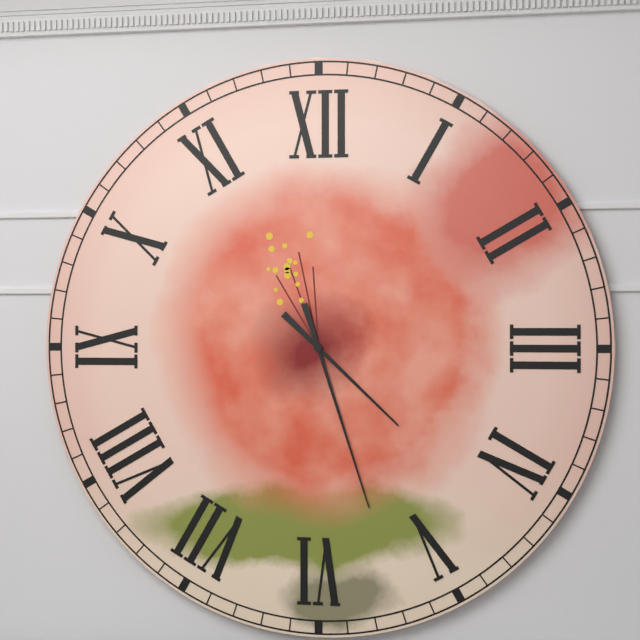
4:27
